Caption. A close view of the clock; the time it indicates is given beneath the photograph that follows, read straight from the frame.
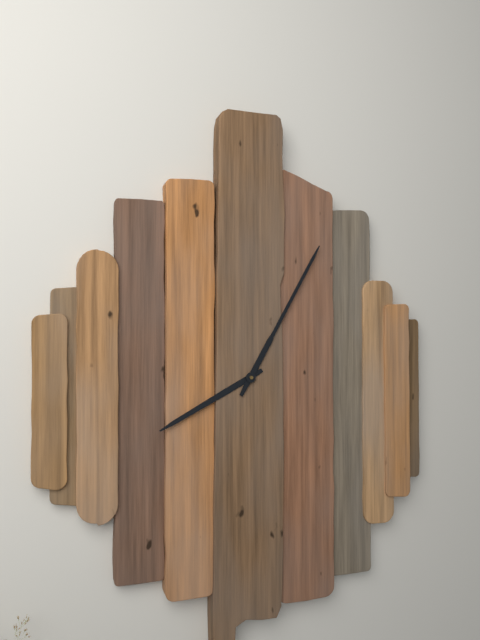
8:05
